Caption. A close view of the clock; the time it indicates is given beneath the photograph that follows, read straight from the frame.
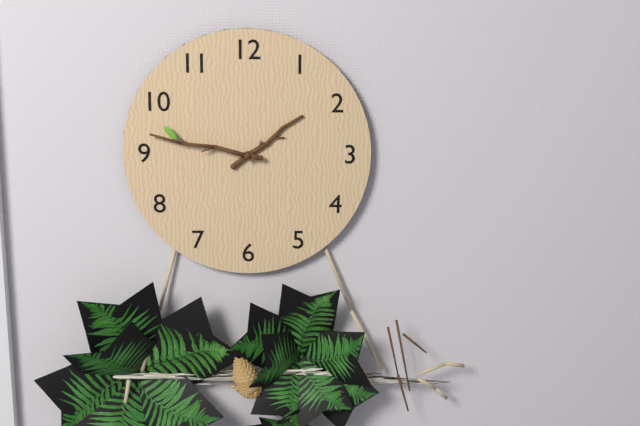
1:47
